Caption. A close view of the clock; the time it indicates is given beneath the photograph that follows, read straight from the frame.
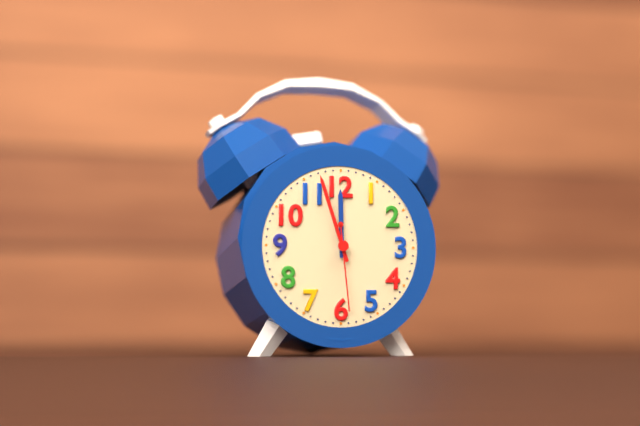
11:57:29
